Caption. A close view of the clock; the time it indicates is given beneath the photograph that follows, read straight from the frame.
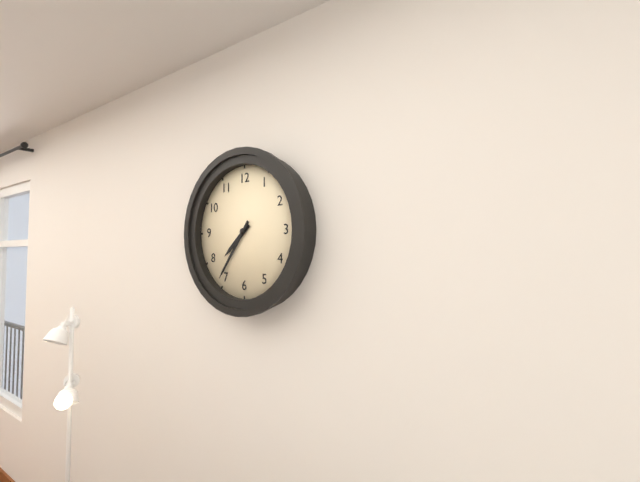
7:36
